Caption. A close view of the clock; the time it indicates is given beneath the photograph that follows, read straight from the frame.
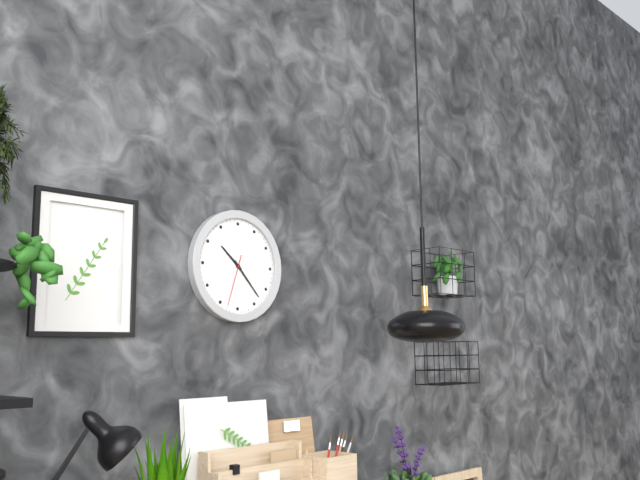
10:23:33
